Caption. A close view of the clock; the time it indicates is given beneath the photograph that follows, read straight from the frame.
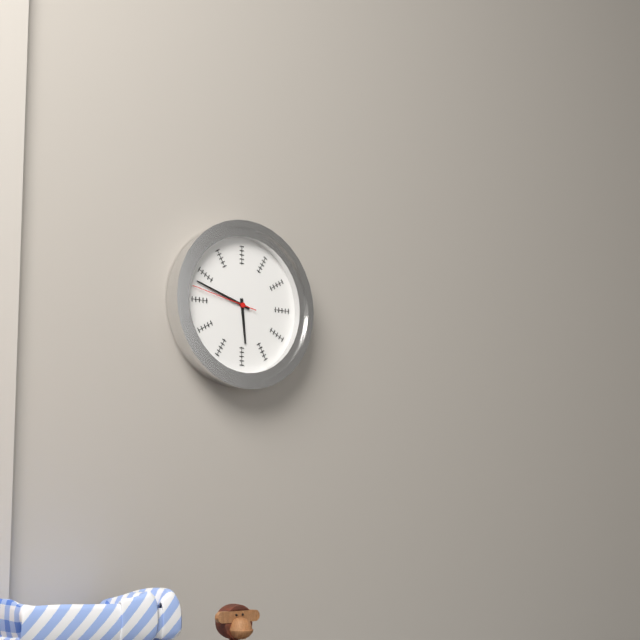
5:48:47
